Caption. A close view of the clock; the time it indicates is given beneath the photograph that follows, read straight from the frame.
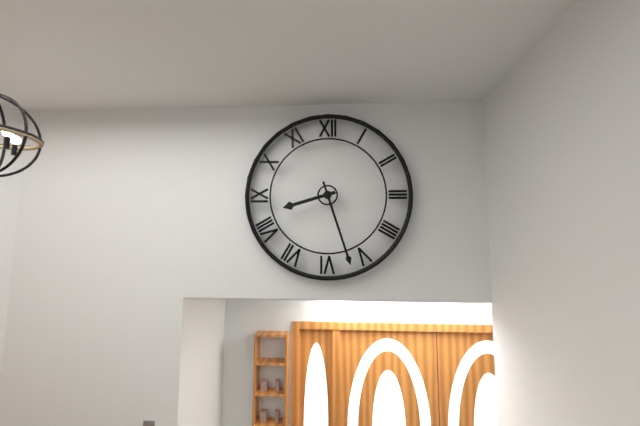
8:27
